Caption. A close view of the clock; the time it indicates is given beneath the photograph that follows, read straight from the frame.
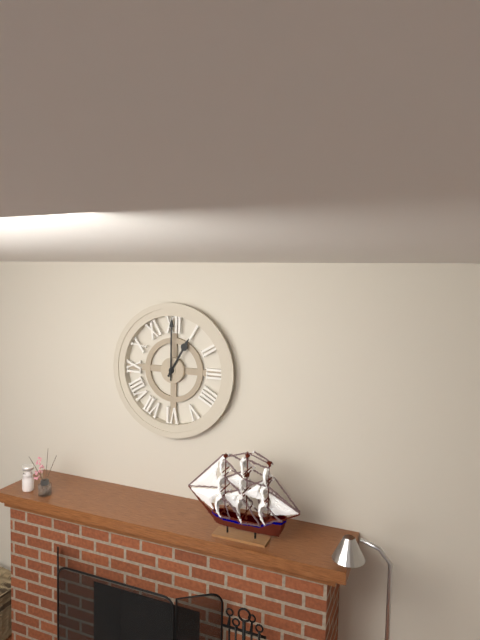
1:00
